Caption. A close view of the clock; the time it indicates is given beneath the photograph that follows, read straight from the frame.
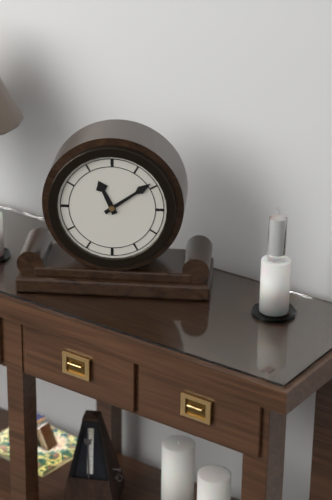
11:09
